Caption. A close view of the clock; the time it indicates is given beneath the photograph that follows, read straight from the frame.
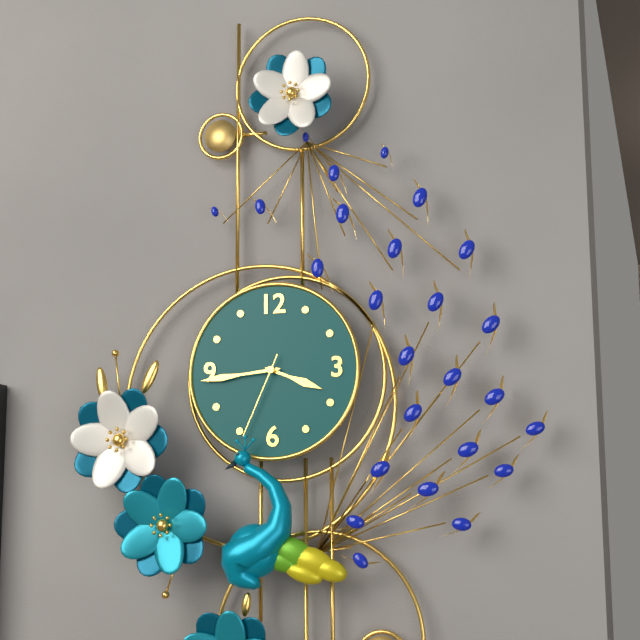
3:44:34
